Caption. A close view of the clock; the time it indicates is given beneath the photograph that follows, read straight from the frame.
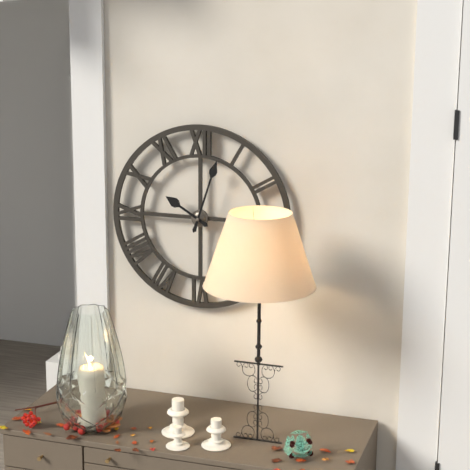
10:03
